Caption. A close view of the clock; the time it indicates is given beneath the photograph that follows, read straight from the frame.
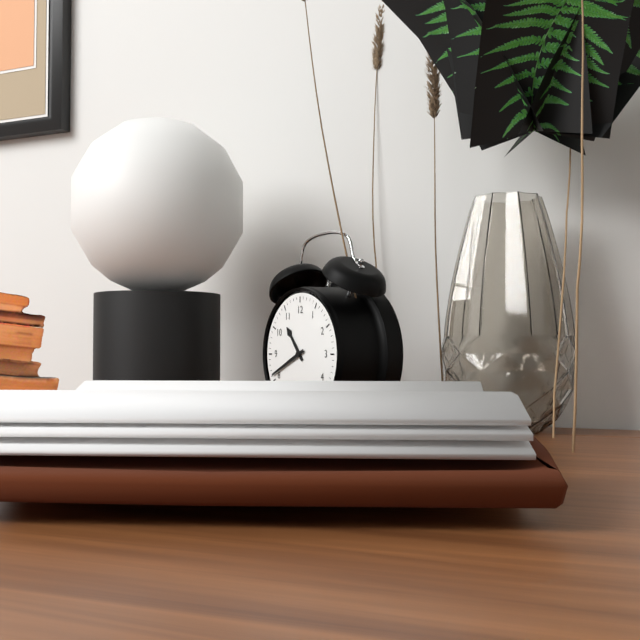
10:41
